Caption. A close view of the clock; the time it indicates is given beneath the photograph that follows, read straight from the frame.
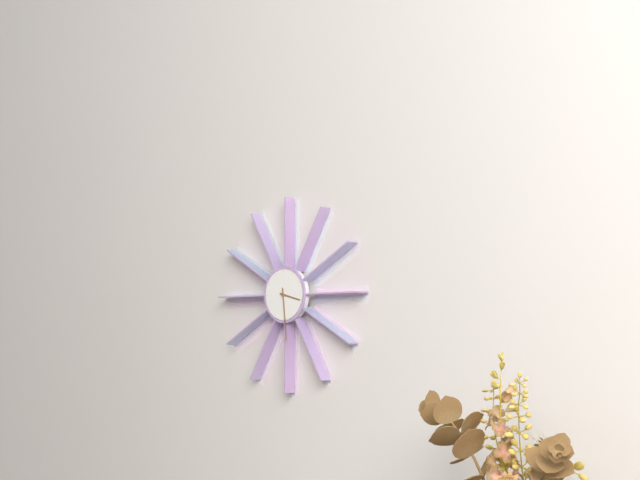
3:29
